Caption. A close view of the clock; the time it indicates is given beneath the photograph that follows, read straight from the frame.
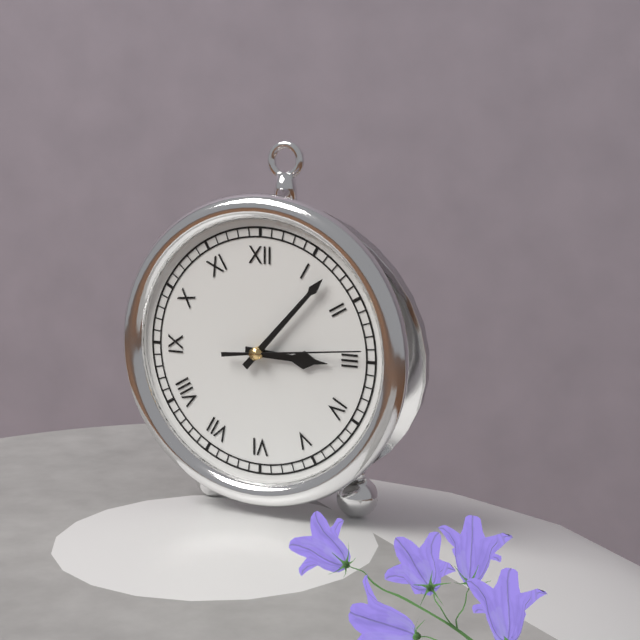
3:07:14
